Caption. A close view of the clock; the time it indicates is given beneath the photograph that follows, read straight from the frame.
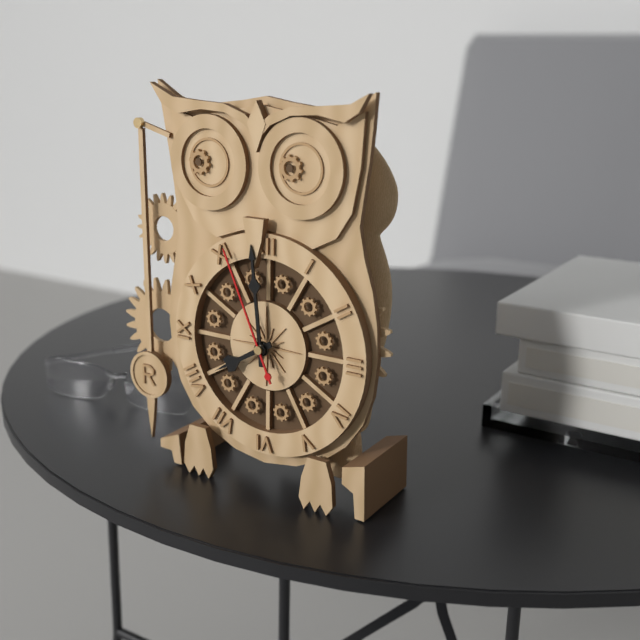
7:59:56
